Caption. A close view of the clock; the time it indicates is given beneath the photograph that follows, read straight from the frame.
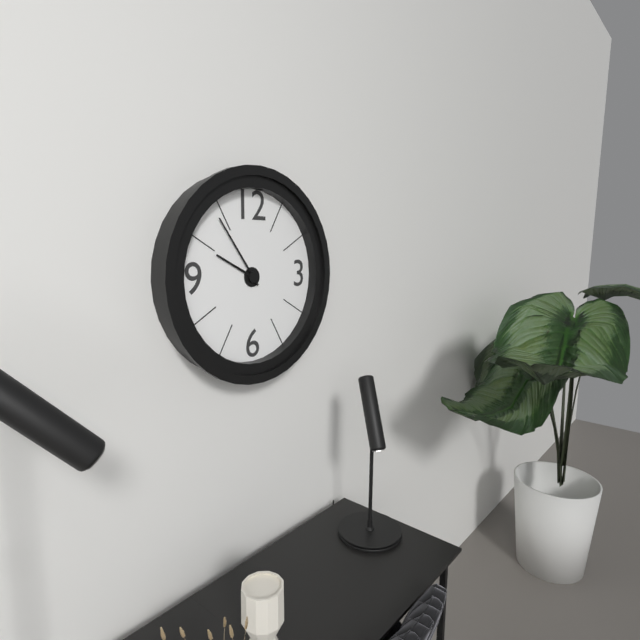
9:54
